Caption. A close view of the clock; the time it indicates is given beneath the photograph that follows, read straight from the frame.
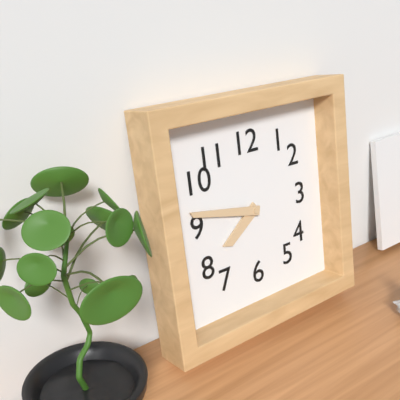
7:47
